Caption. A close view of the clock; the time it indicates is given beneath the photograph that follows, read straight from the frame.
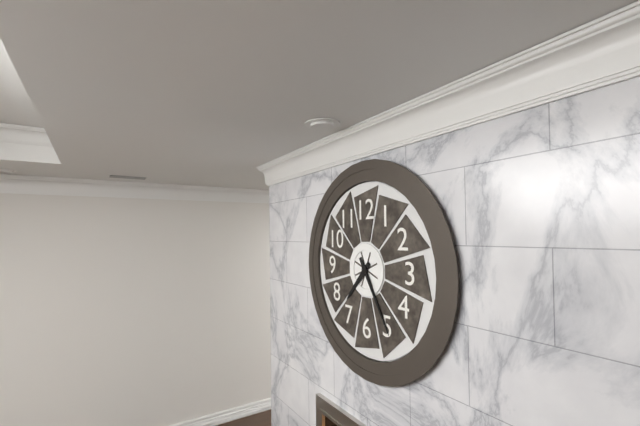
7:25
